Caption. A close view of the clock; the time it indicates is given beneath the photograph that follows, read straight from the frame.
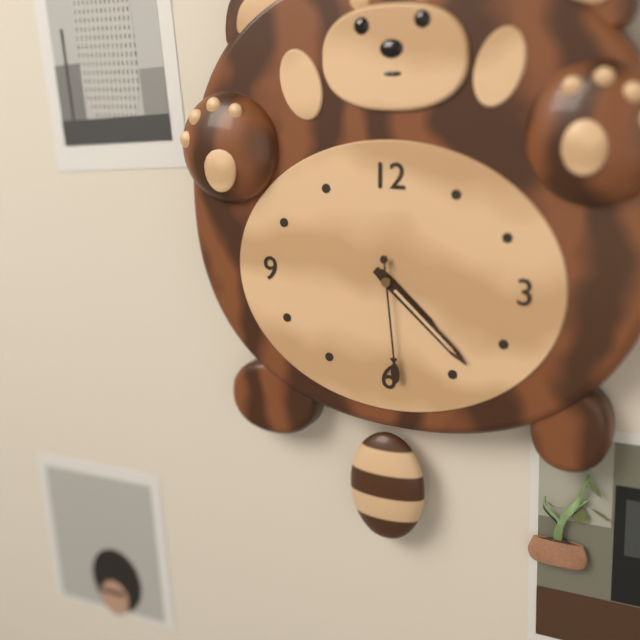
4:22:29
